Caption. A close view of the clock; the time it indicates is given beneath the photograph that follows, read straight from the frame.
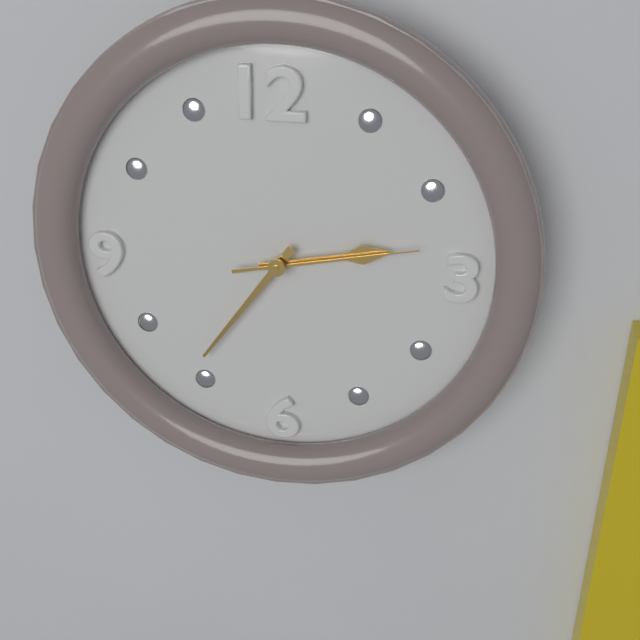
2:36:13
